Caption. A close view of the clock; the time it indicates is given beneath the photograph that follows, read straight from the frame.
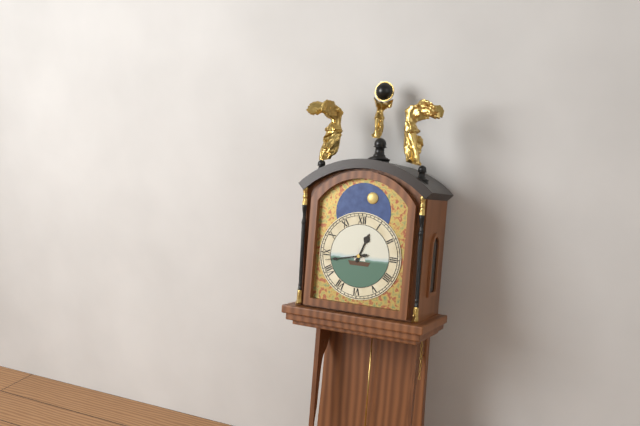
12:43
